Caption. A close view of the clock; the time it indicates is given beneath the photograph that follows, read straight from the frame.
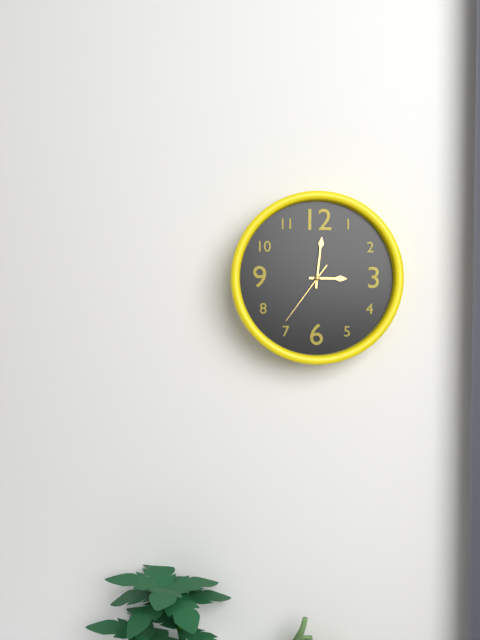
3:01:36
